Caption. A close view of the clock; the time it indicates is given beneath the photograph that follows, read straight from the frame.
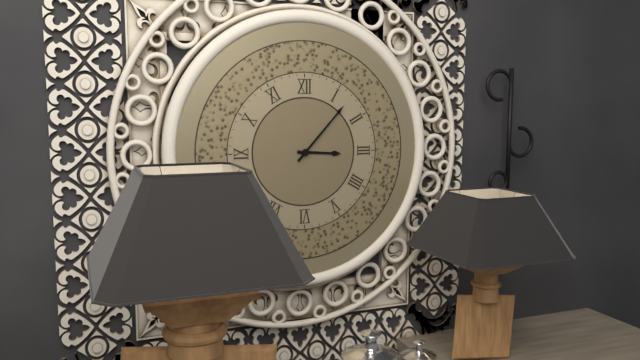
3:07
